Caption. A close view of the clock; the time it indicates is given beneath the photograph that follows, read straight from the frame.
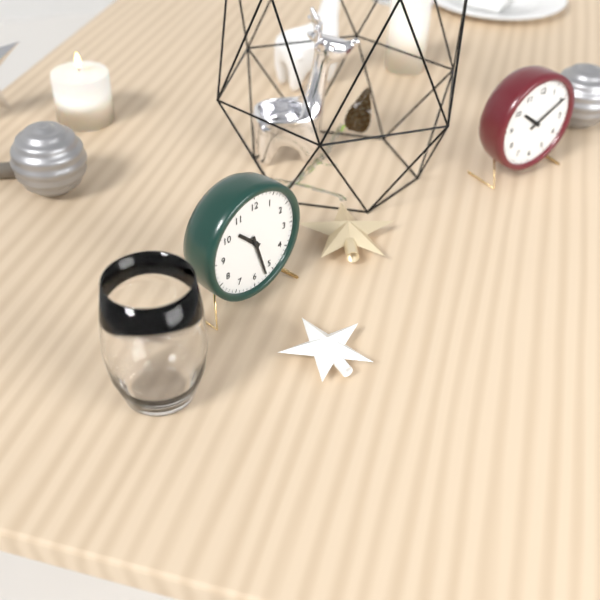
10:27
